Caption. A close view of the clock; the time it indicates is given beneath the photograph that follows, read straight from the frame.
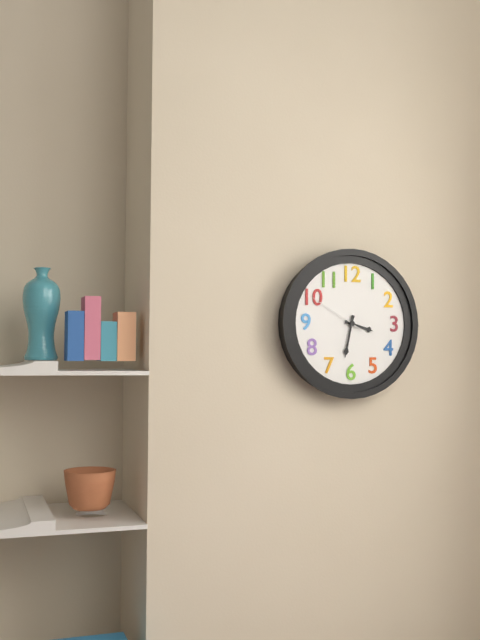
3:32:50
